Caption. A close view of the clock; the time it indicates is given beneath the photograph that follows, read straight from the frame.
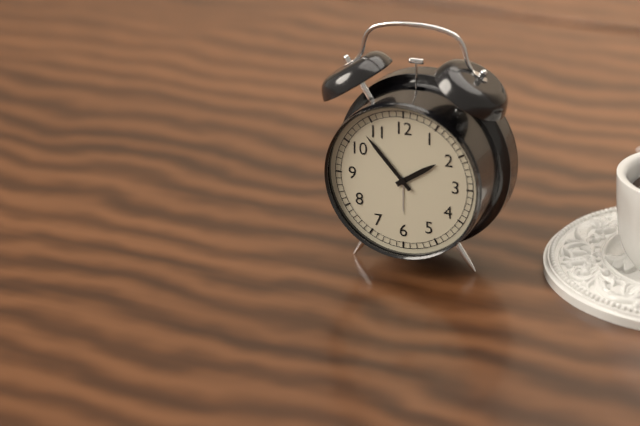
1:53
